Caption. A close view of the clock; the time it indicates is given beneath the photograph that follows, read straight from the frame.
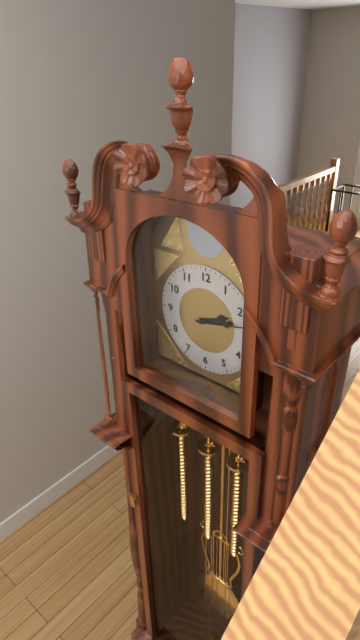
2:13
